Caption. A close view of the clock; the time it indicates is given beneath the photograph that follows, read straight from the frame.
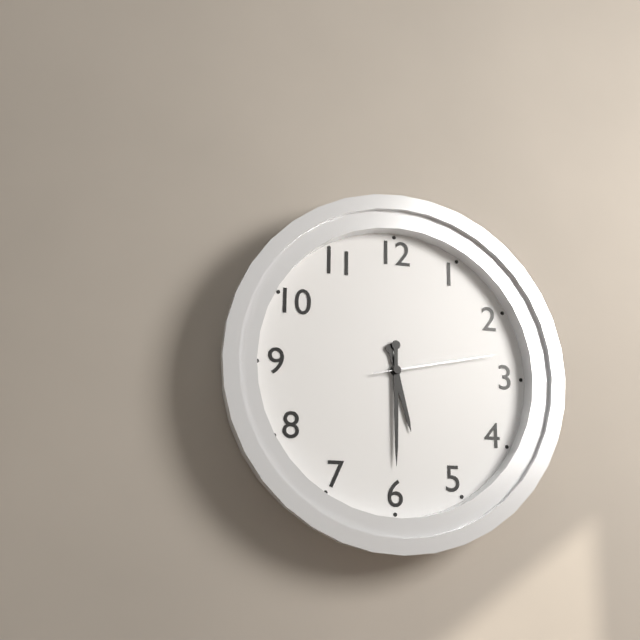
5:30:13
